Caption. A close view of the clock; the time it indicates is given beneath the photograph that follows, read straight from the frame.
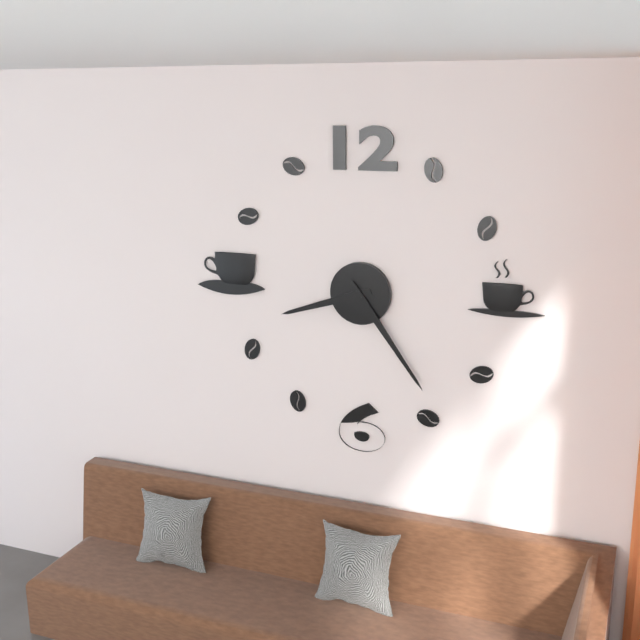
8:24
